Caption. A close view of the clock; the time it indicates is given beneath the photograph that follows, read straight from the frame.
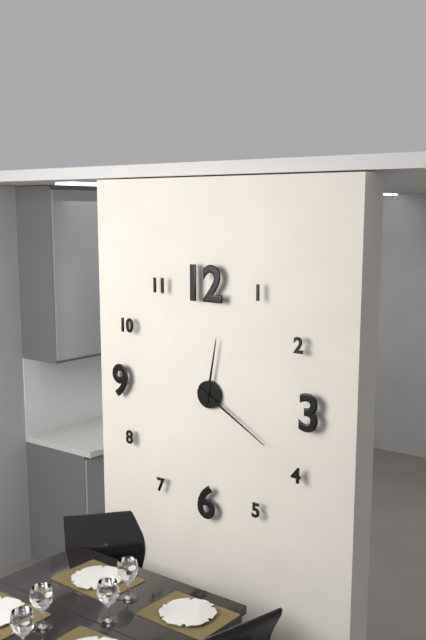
12:20
